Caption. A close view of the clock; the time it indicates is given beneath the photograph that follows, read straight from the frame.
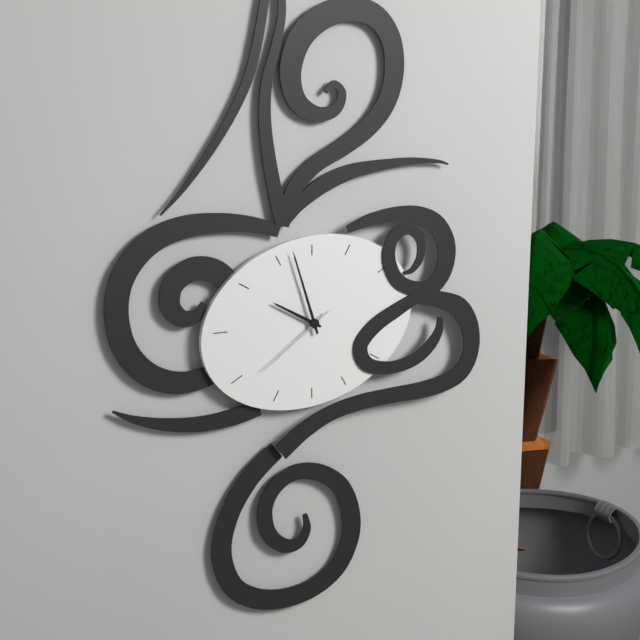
9:57:39
